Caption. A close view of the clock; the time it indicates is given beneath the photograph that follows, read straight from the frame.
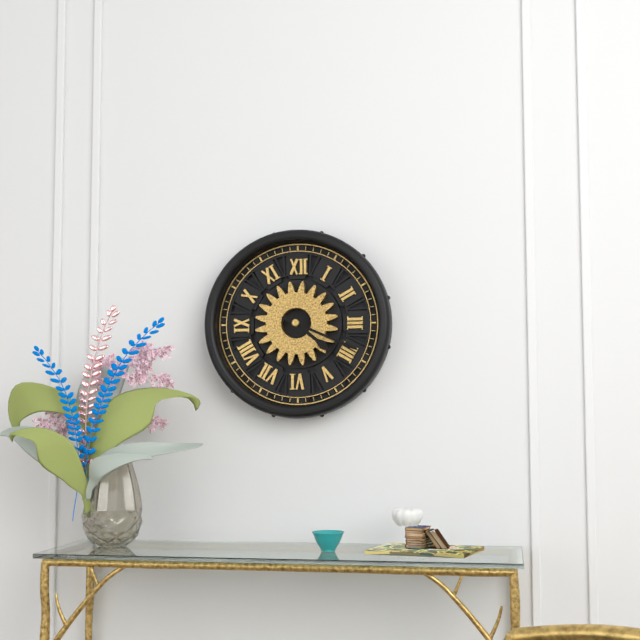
4:19
